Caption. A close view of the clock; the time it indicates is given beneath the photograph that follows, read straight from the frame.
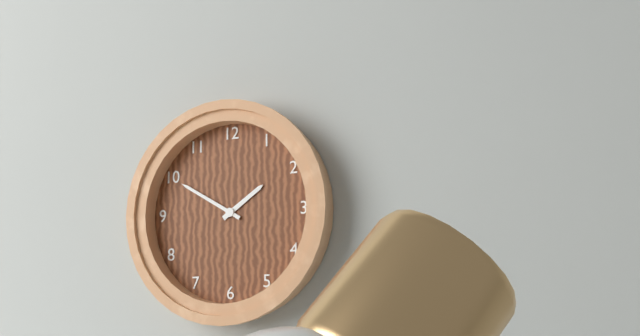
1:50
